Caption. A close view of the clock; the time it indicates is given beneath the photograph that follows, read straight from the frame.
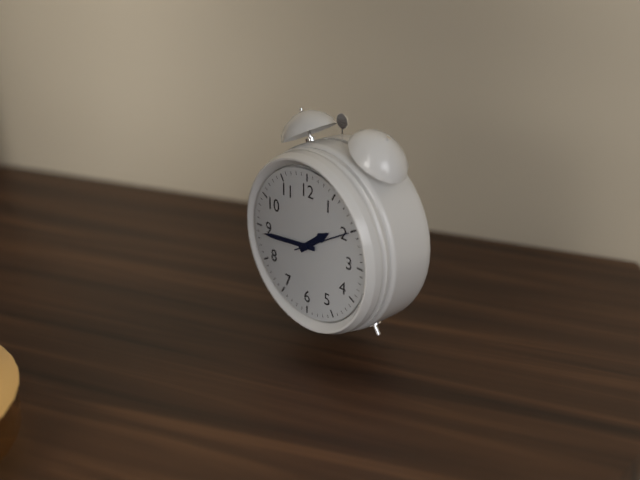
1:44:10
